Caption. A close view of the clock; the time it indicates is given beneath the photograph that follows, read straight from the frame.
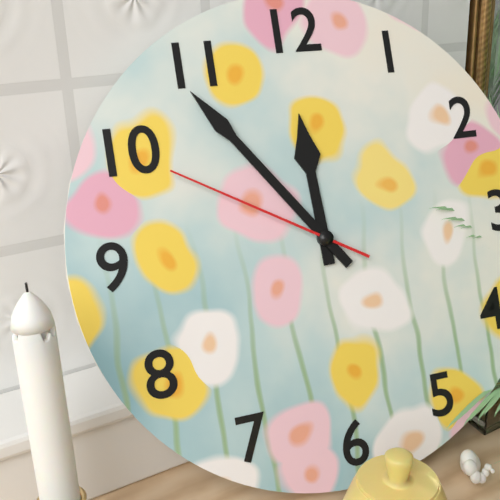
11:54:50
